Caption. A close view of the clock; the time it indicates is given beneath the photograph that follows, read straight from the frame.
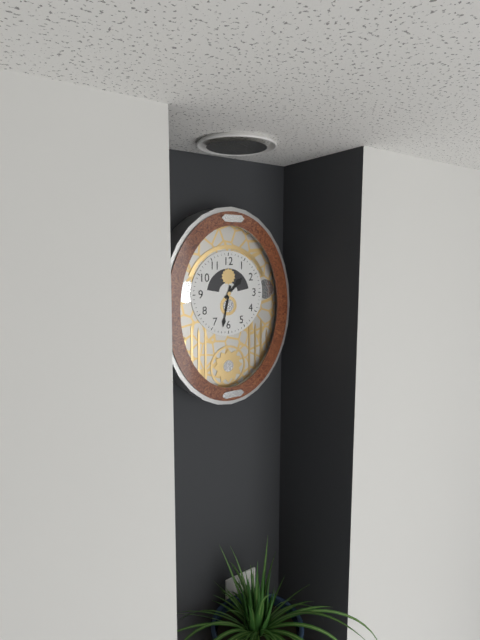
1:32
